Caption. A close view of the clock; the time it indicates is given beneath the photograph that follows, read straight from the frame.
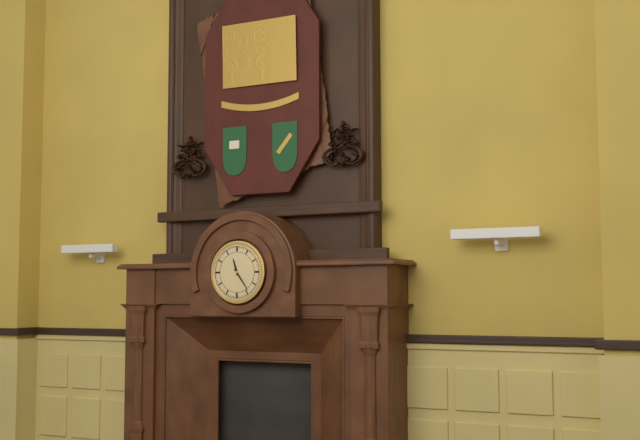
11:24
